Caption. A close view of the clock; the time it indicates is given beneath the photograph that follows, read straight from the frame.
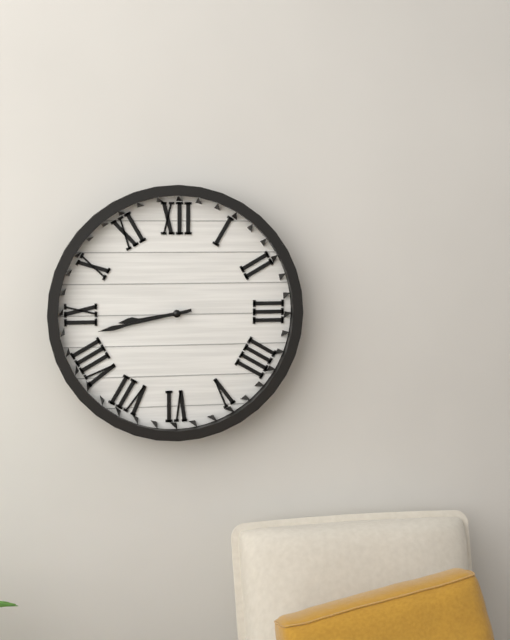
8:43
